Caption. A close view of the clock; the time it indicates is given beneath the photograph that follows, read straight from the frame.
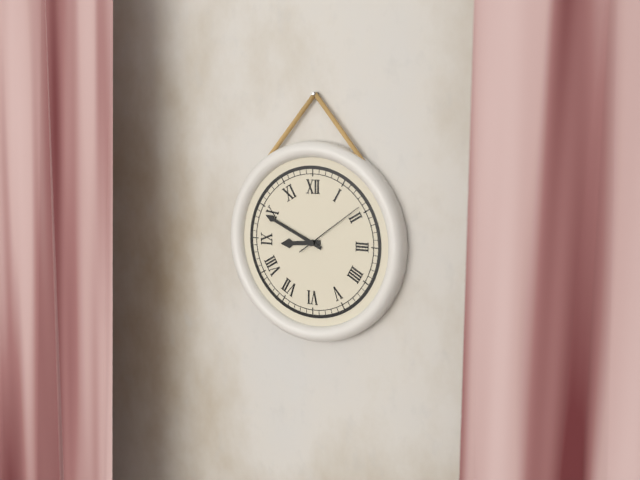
8:49:09
